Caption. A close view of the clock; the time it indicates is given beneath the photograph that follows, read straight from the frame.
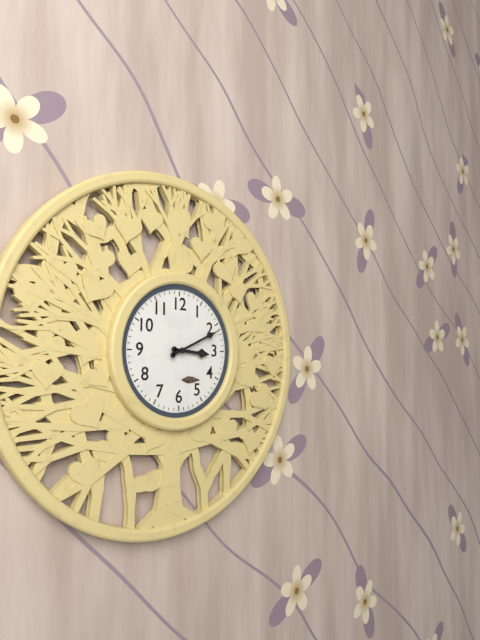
3:11
